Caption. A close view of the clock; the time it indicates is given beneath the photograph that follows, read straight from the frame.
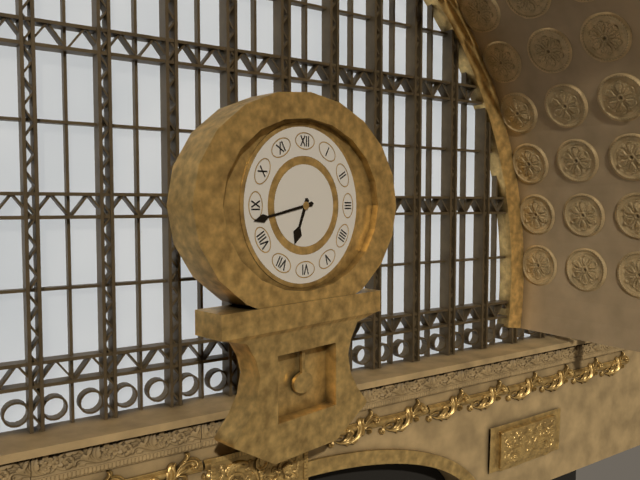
6:43
